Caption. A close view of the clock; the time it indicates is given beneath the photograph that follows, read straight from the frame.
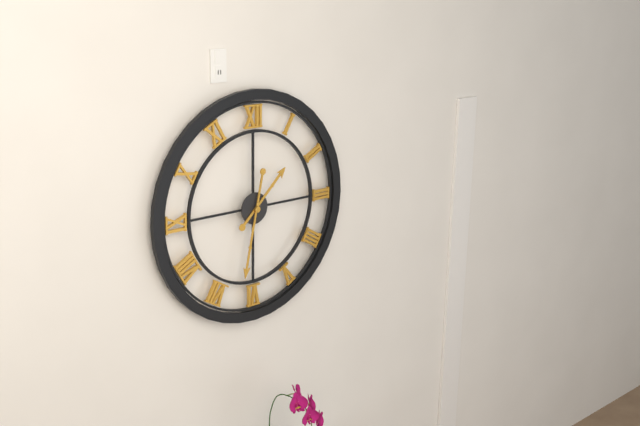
1:32
